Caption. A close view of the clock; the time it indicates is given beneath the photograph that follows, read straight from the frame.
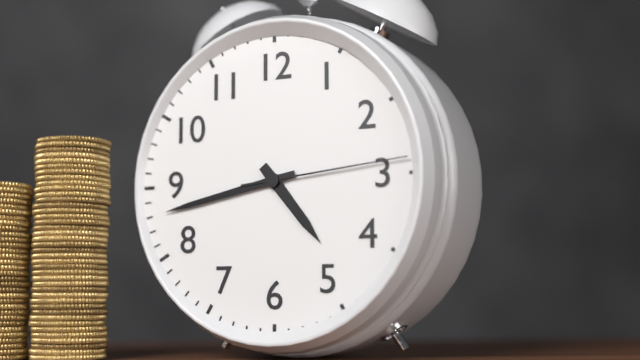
4:43:14
